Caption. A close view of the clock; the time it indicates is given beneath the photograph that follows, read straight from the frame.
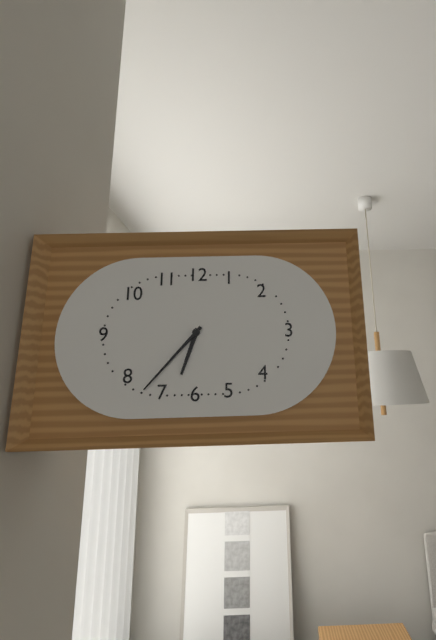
6:37
